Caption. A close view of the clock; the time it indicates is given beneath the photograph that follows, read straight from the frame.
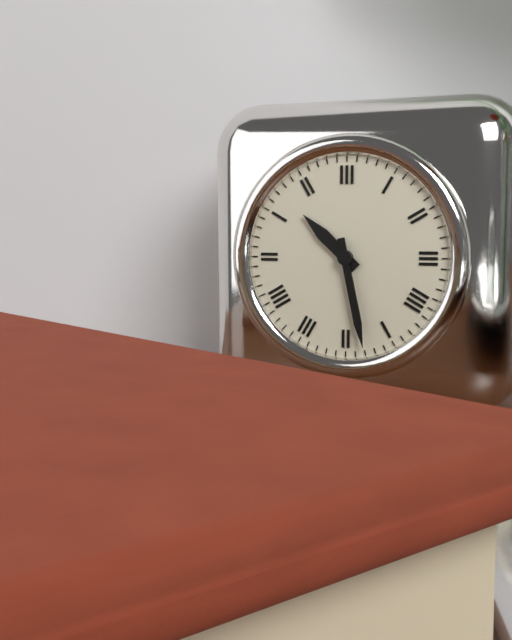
10:28
